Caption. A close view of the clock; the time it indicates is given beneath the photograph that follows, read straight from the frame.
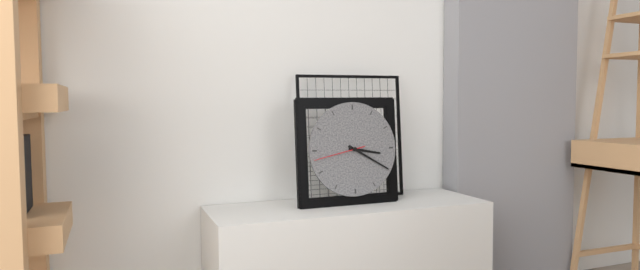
3:20:43
